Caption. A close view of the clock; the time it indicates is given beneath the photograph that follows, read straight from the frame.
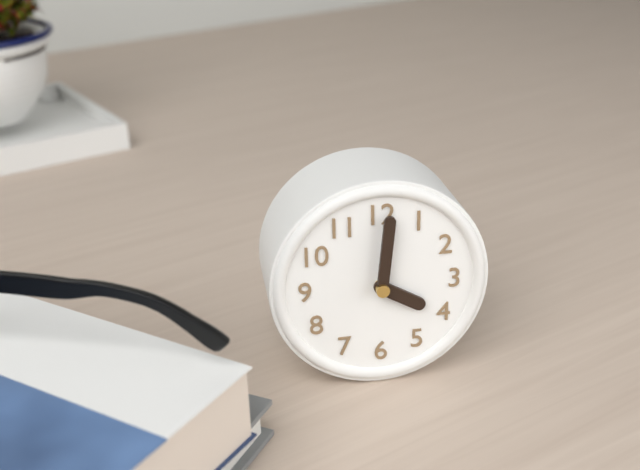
4:01
